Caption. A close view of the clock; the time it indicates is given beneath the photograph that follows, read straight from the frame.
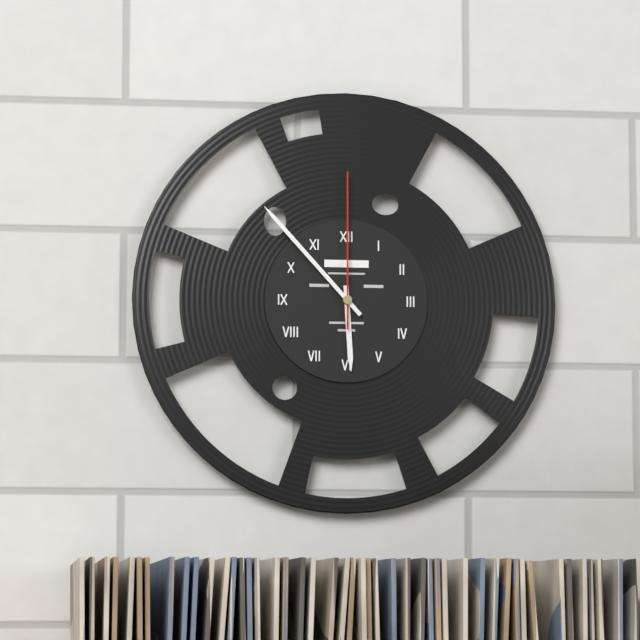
5:53:00
